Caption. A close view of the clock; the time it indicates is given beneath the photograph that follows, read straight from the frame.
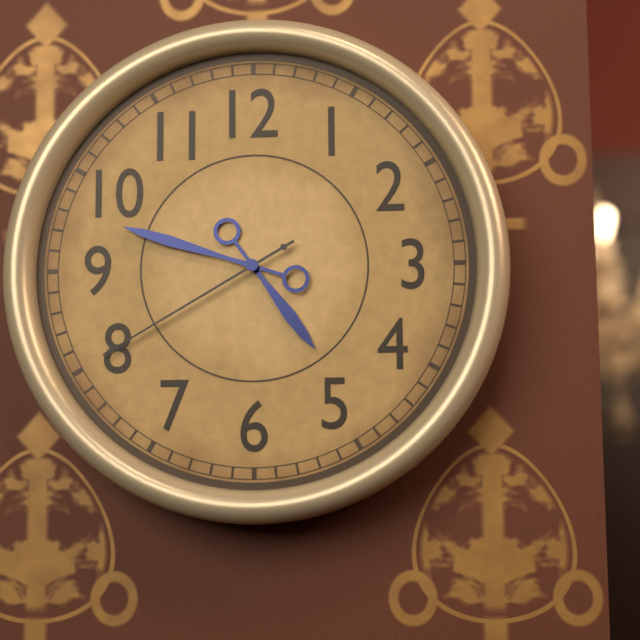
4:48:40
